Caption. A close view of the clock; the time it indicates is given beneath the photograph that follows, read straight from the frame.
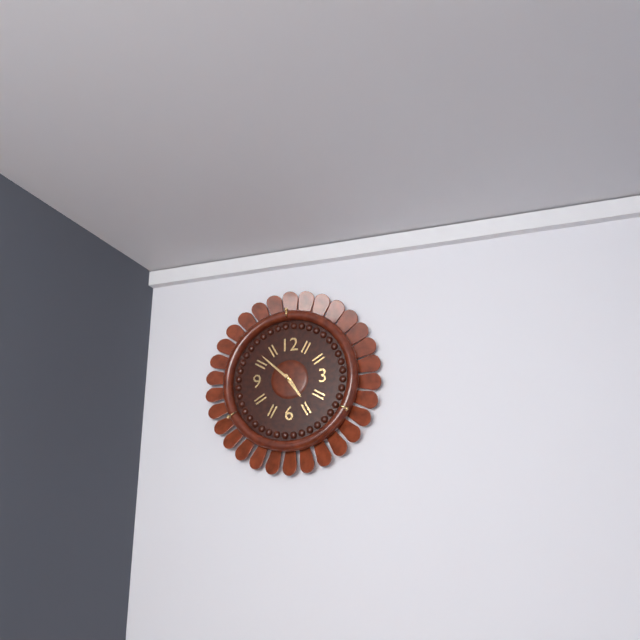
4:52
